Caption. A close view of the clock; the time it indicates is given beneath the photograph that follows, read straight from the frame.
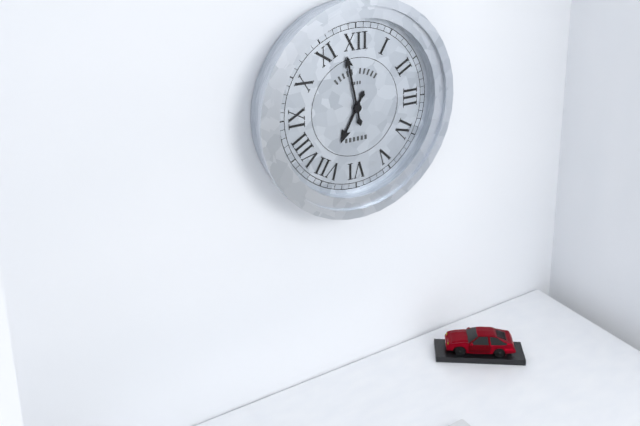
6:58
